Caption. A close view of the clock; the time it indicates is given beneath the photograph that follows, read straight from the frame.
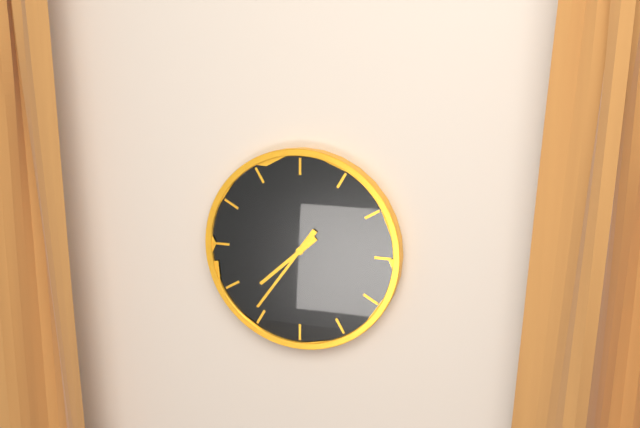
7:36
